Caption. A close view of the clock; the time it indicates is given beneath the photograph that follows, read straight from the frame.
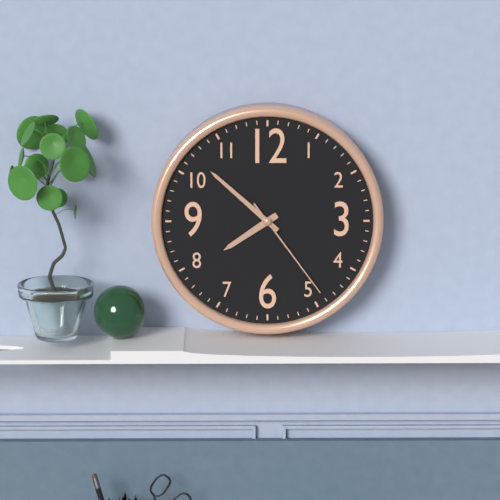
7:52:24
